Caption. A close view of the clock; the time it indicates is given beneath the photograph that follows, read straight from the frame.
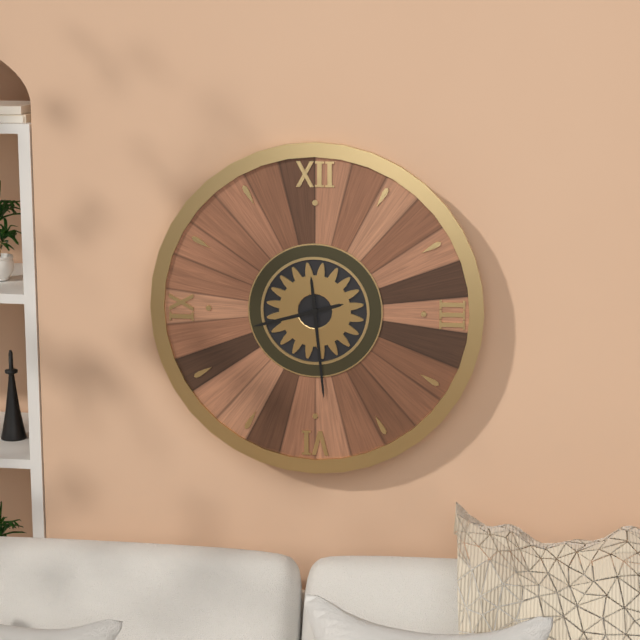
8:29
